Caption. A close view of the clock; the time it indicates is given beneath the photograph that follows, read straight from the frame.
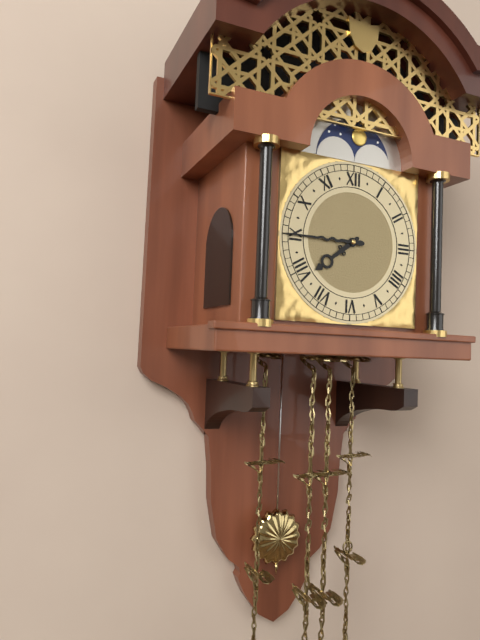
7:45
